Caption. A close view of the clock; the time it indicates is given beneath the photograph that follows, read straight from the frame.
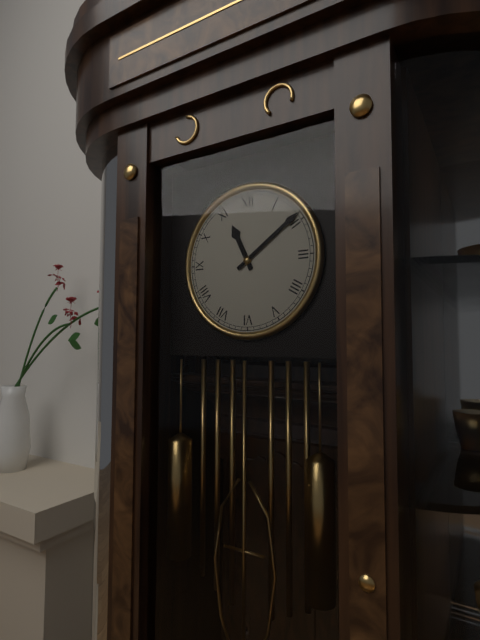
11:09
